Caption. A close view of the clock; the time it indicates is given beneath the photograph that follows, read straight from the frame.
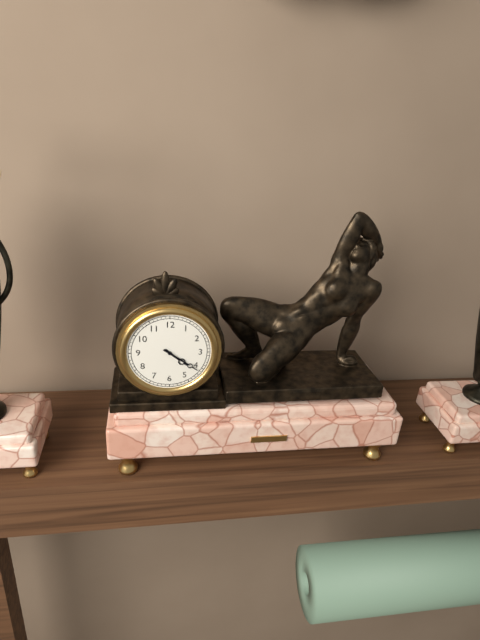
4:21
